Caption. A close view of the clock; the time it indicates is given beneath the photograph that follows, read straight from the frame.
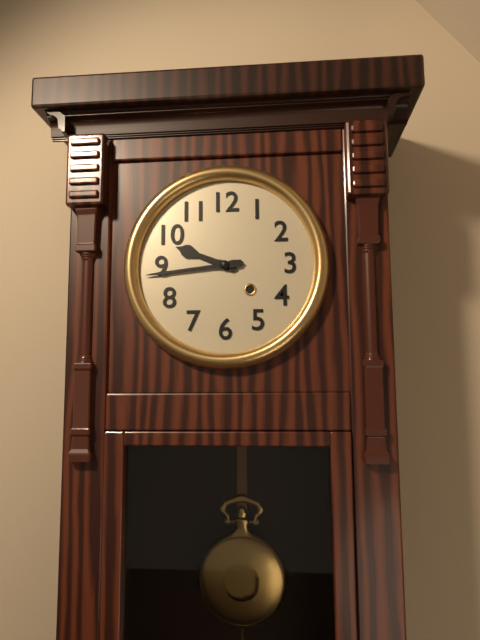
9:44
